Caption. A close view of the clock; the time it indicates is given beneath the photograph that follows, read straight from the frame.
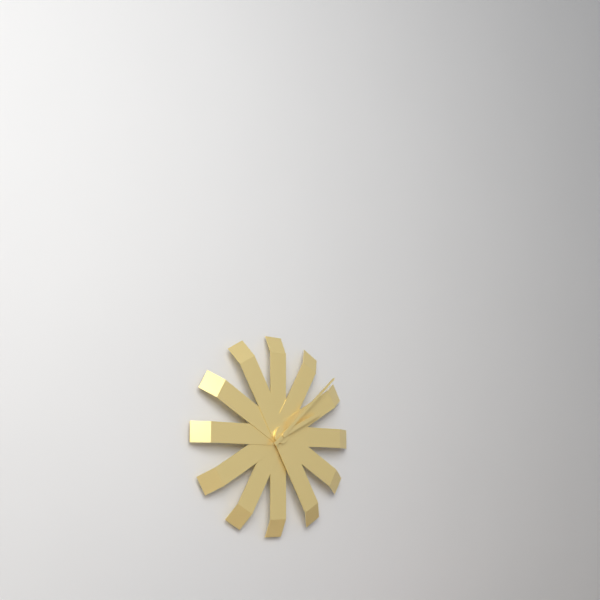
2:08
